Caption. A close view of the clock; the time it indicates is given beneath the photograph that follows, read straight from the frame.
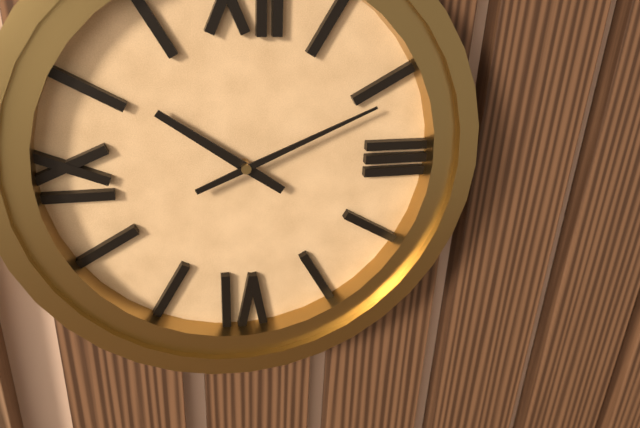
10:11
